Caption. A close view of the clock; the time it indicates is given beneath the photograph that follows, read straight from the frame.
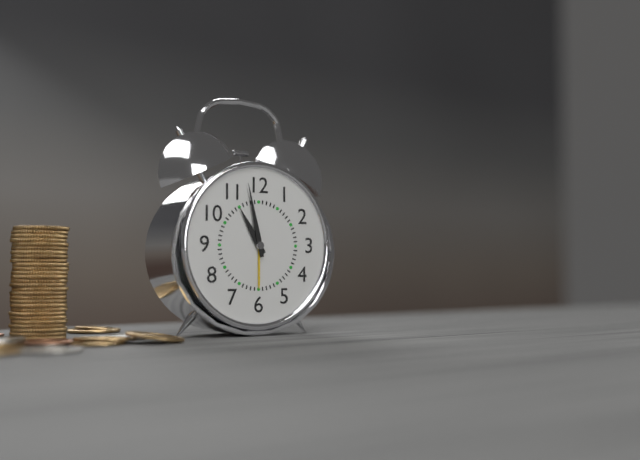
10:58
